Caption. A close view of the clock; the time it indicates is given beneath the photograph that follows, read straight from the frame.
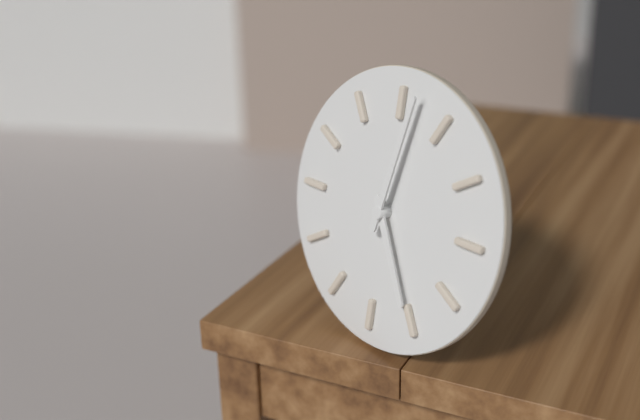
5:02
